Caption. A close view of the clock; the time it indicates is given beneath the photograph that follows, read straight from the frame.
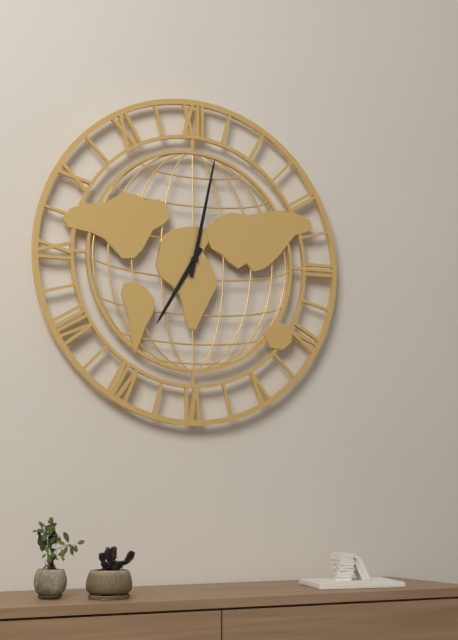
7:02
